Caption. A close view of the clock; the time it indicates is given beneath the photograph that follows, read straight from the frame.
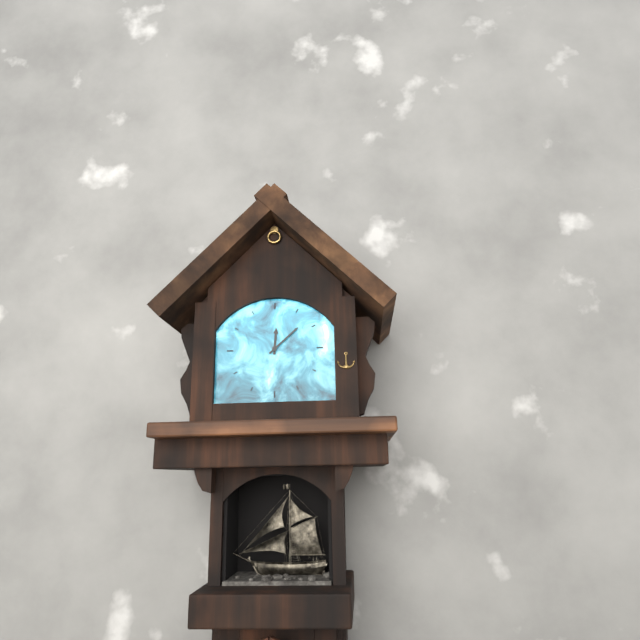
12:08
